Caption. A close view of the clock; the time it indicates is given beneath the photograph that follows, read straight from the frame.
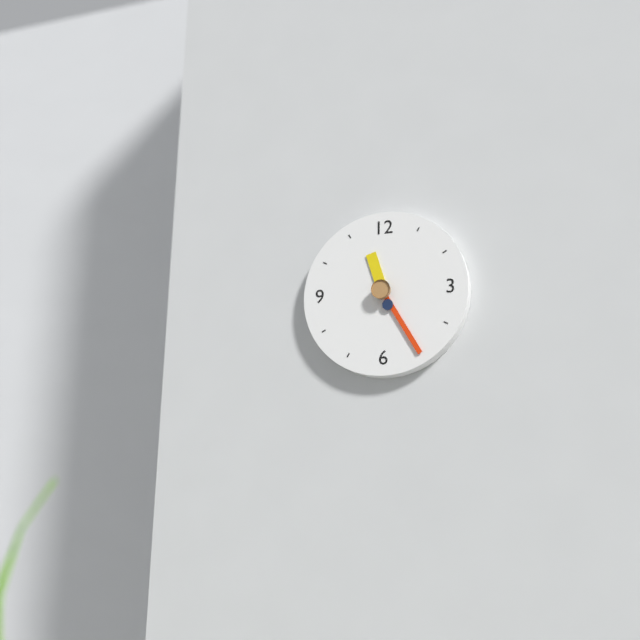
11:25
